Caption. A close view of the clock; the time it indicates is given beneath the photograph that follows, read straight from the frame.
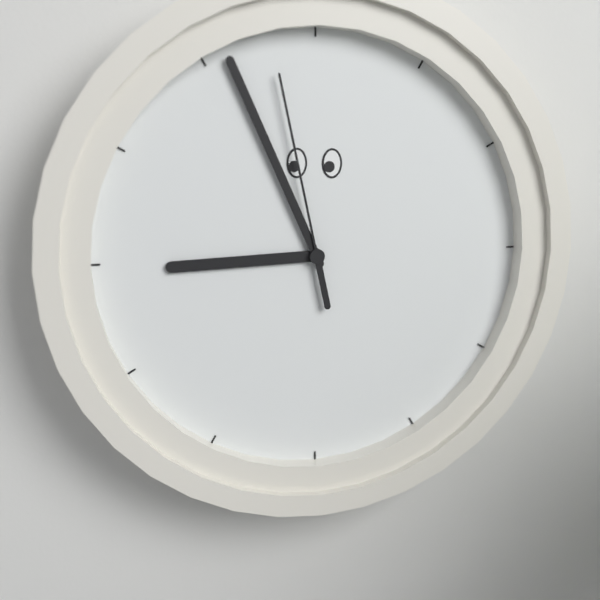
8:56:58
